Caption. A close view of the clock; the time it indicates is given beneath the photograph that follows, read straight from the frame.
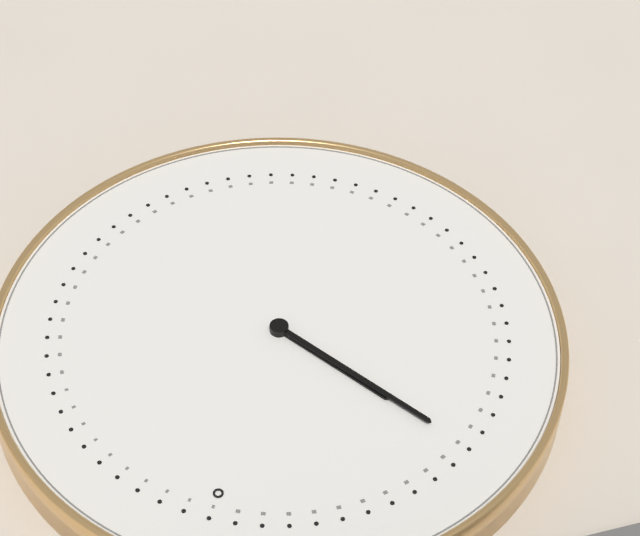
9:49
